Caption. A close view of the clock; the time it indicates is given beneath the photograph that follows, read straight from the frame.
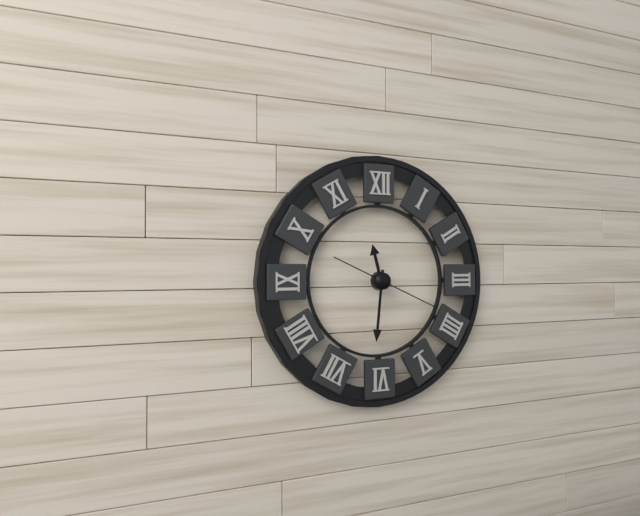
11:31:19
